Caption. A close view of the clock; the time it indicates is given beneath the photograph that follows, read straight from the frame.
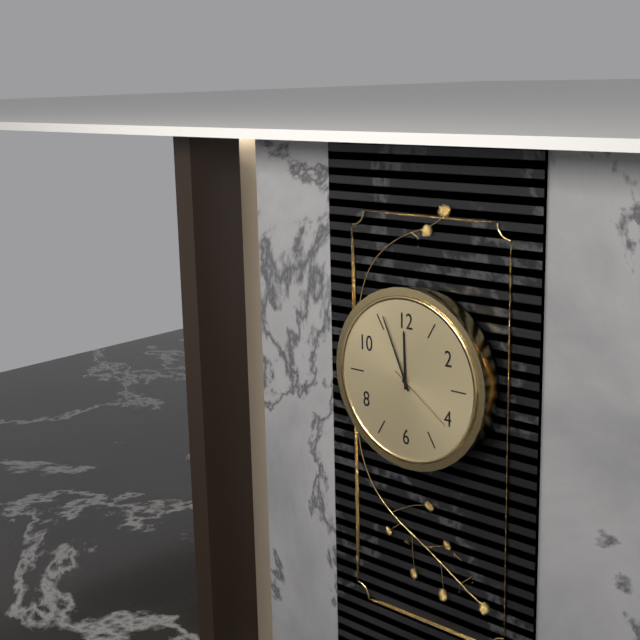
11:56:21
